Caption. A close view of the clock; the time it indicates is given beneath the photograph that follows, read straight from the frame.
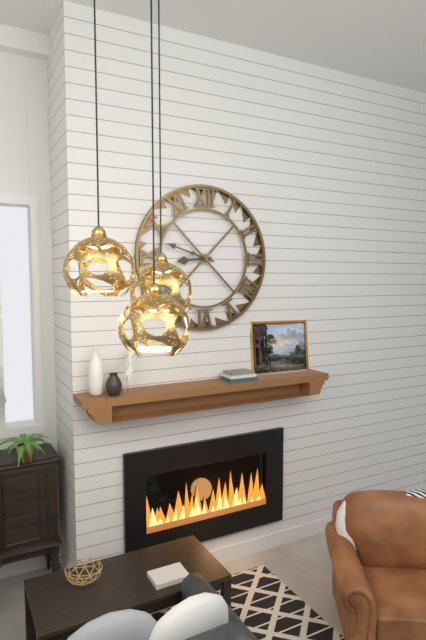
8:48
